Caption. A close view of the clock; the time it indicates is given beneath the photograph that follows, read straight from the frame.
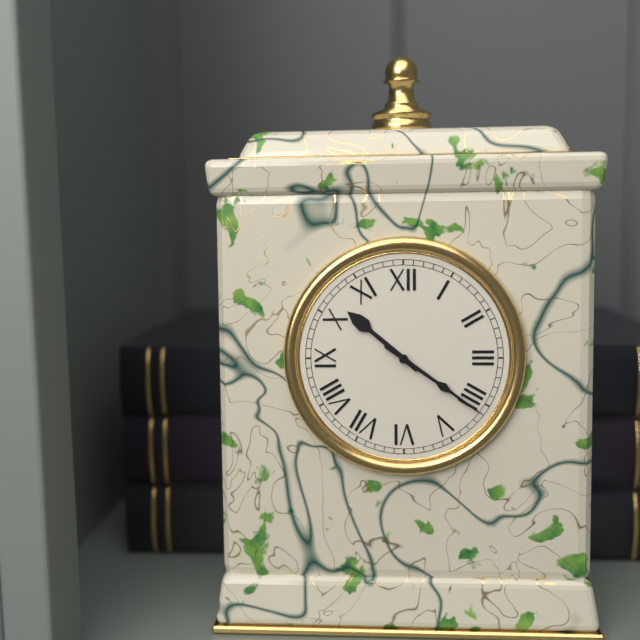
10:21
